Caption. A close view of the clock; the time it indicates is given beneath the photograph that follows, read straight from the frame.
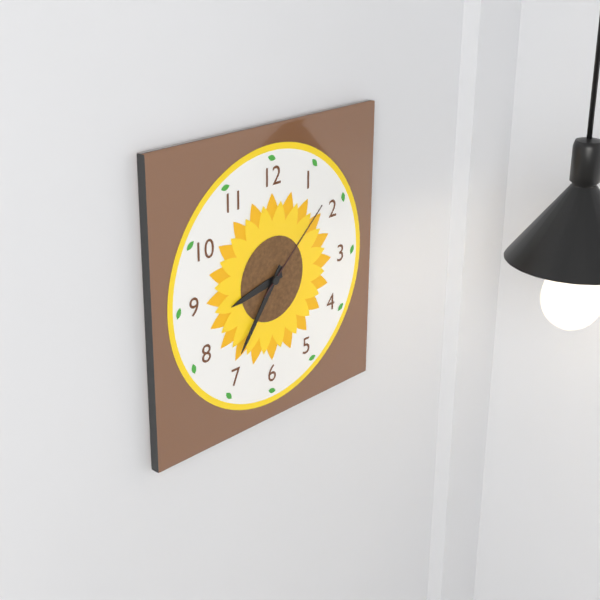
8:36:08
